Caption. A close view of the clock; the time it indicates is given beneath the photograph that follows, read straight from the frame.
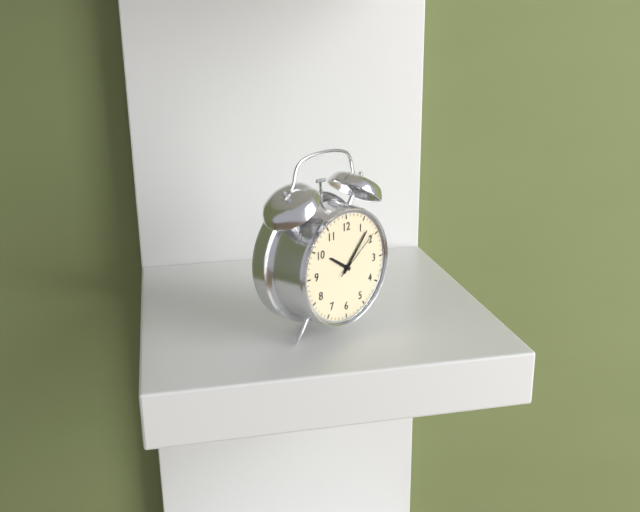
10:07:09
